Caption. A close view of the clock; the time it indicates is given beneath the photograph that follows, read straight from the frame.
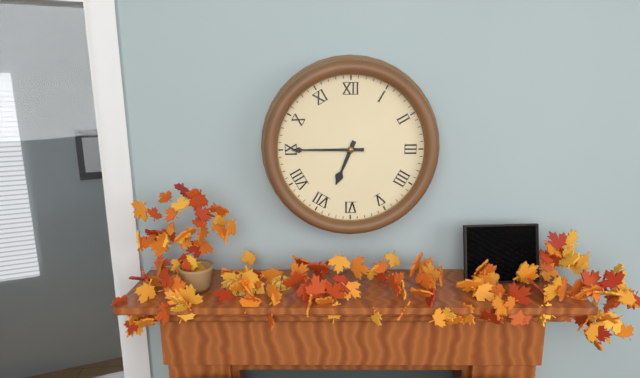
6:45
